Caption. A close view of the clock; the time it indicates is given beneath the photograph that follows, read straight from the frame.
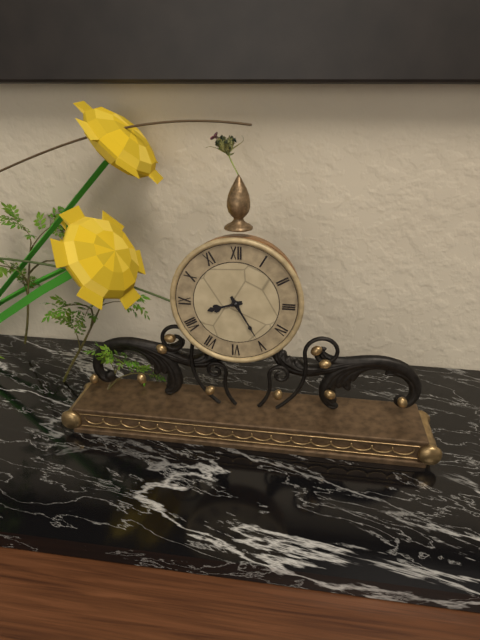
8:25
